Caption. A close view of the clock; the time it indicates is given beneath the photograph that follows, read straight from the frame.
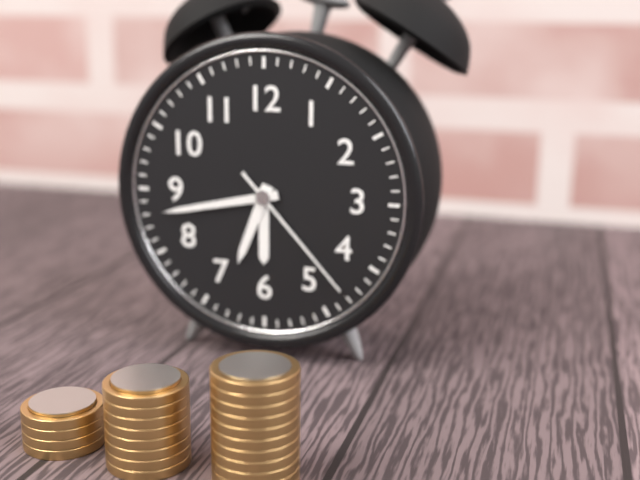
6:43:23
